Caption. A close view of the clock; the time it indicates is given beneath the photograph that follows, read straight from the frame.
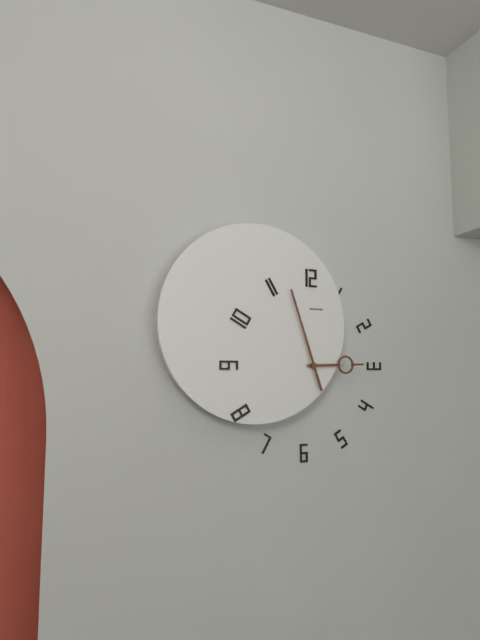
2:57
